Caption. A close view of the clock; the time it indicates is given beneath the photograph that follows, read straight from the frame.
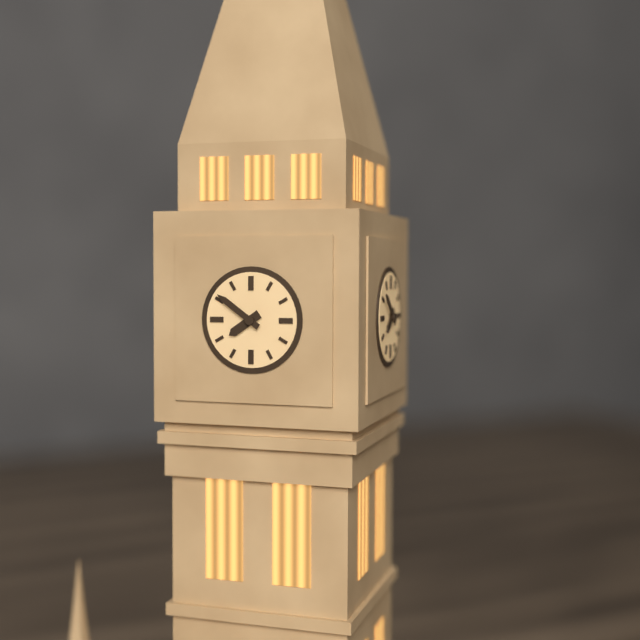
7:51
